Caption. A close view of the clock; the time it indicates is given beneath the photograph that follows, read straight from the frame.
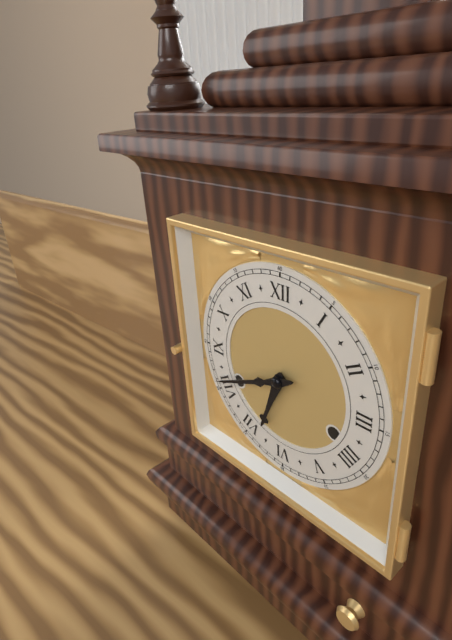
6:41
